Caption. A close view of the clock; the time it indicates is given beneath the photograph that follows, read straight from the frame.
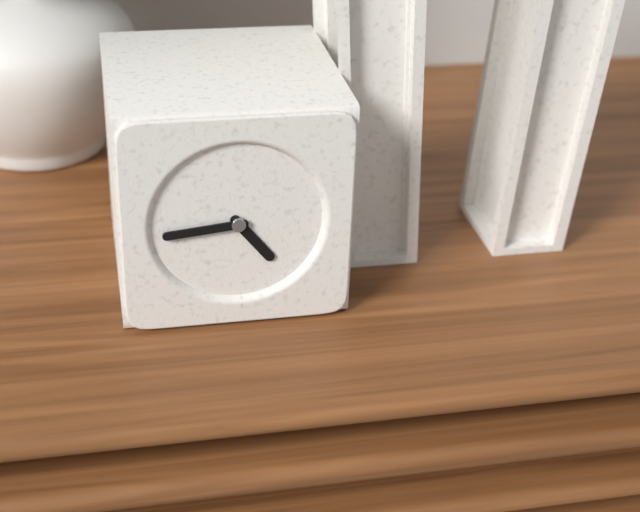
4:44
